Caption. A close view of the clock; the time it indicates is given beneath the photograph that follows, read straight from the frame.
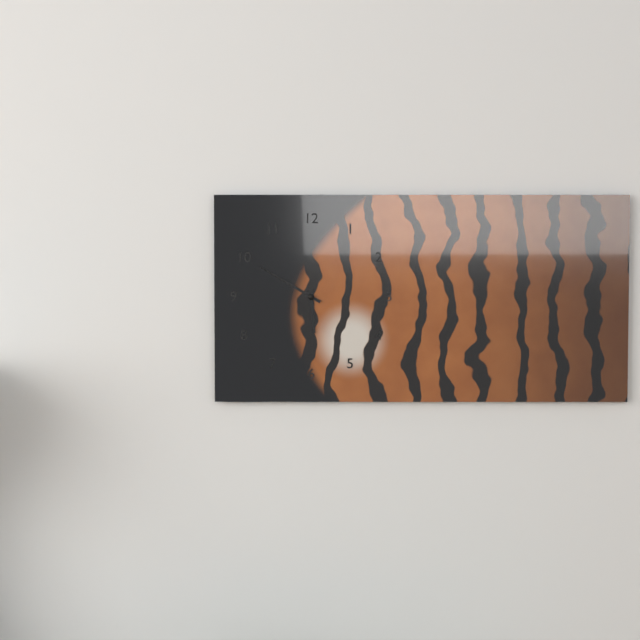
5:50
